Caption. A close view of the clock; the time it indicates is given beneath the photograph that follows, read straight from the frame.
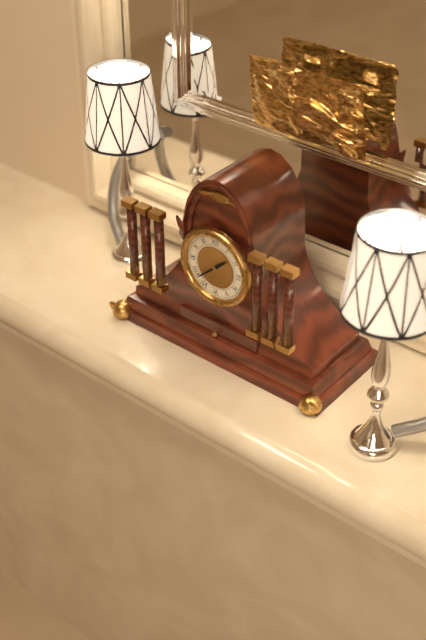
1:38
